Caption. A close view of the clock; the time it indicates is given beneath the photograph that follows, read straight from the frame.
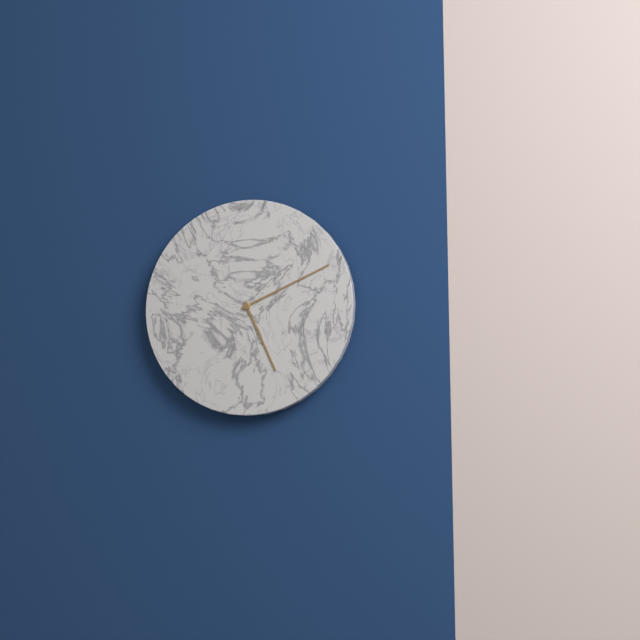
5:11
